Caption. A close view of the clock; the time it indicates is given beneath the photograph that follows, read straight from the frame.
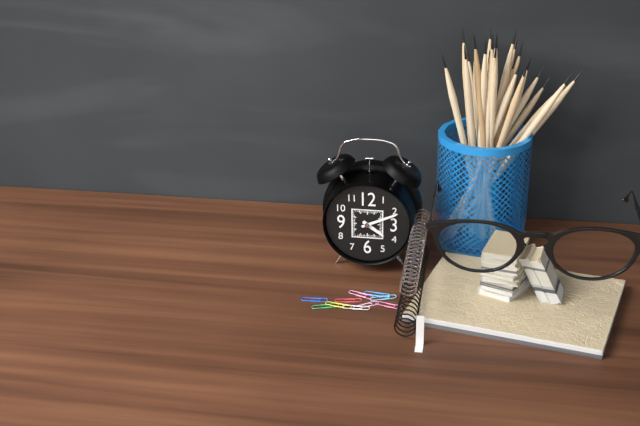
4:11
